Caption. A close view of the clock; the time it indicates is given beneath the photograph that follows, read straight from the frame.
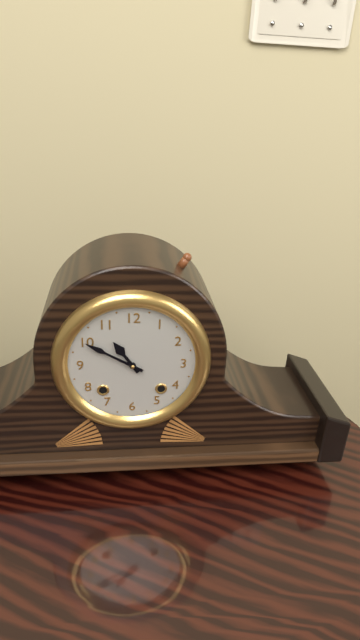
10:50
